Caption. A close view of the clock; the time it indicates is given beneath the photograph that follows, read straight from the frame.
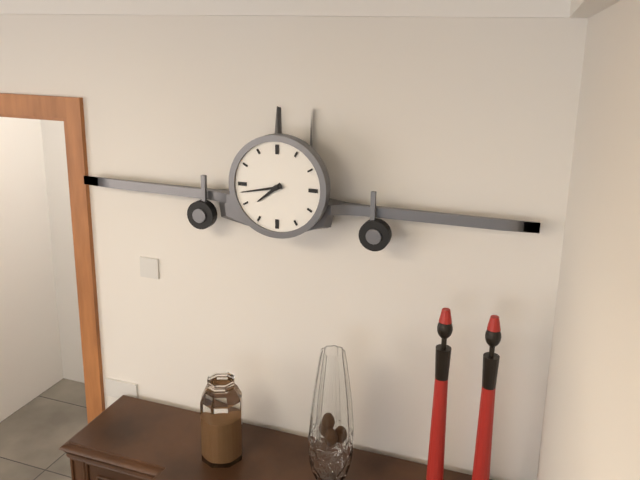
7:43
